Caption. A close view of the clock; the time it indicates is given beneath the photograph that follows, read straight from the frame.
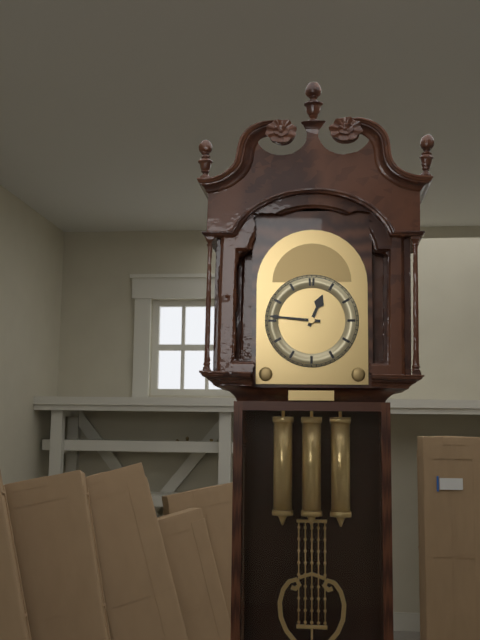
12:46
